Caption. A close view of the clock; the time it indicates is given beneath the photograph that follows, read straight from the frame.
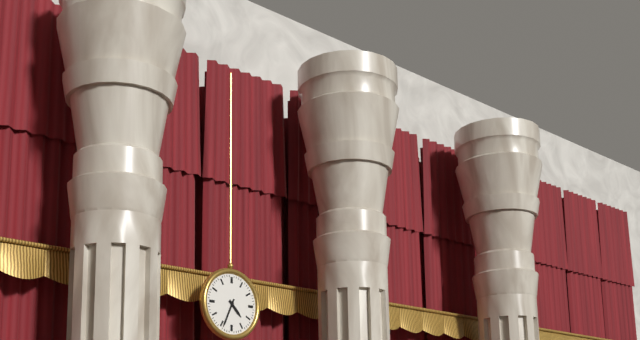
4:34
